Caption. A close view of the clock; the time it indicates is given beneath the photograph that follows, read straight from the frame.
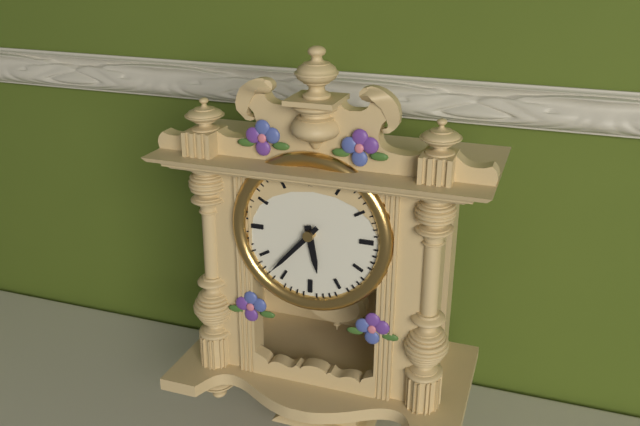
5:37
